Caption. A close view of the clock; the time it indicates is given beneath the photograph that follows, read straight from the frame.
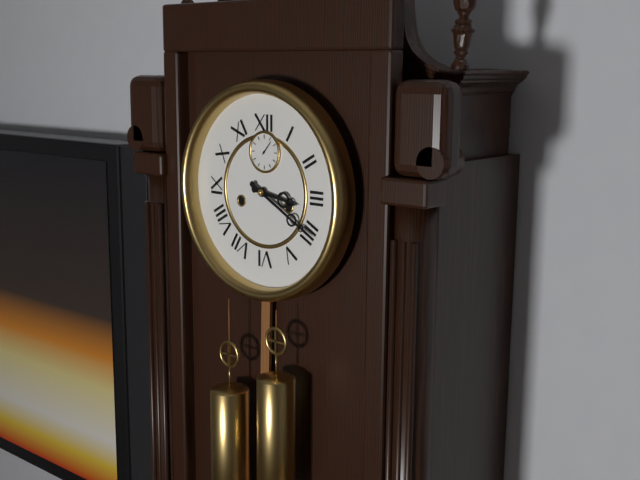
3:20
